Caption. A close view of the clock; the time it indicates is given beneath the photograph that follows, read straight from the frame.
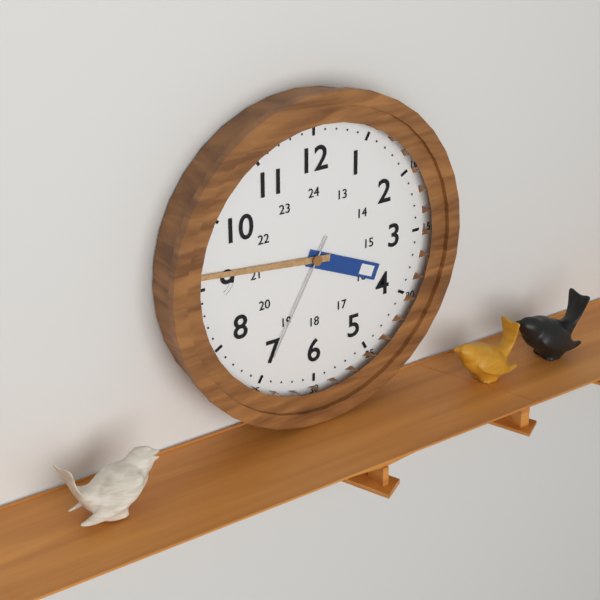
3:46:35
